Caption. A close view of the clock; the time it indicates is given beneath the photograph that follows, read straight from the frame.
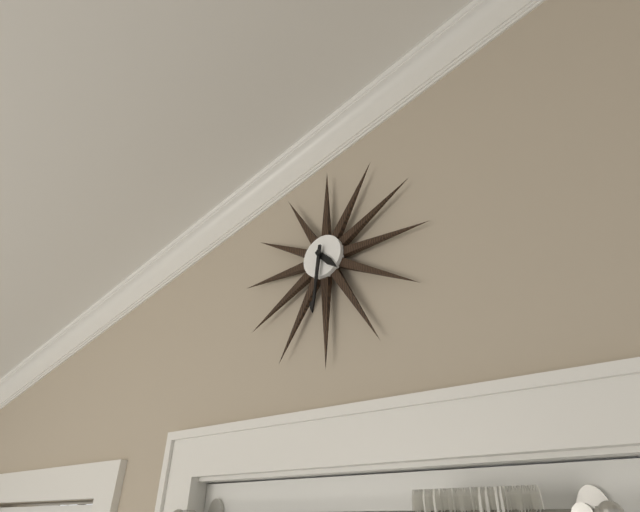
4:31
